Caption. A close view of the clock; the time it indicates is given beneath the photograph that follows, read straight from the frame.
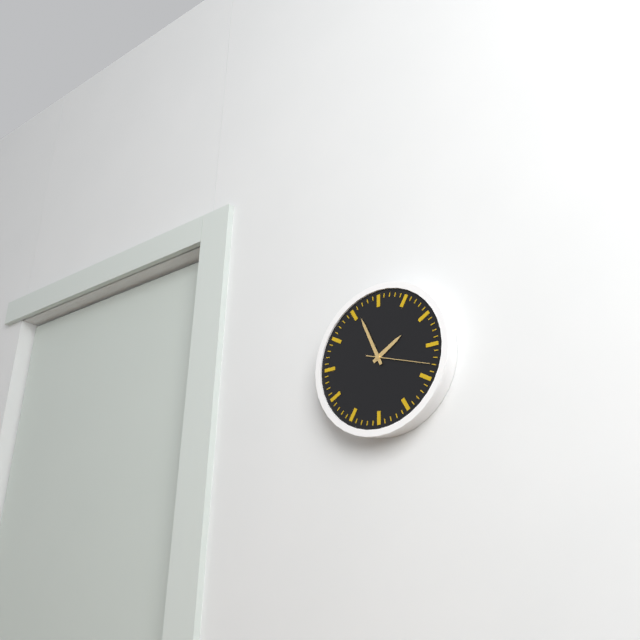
1:56:18
